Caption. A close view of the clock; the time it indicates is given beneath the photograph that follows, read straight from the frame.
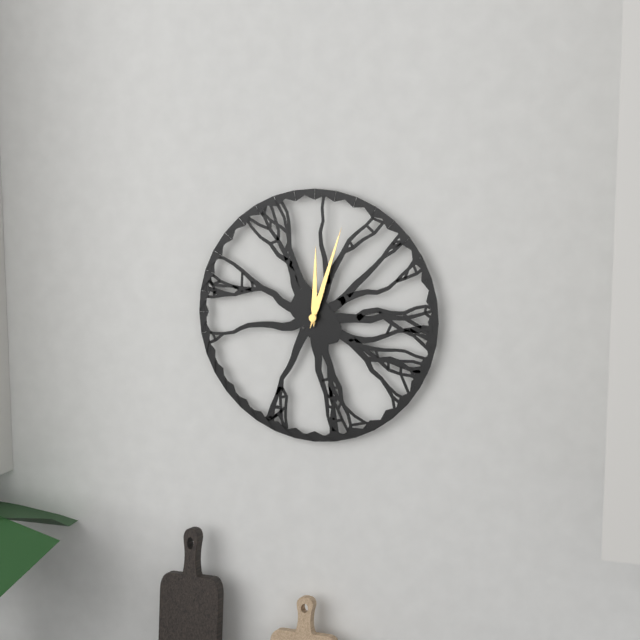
12:03
